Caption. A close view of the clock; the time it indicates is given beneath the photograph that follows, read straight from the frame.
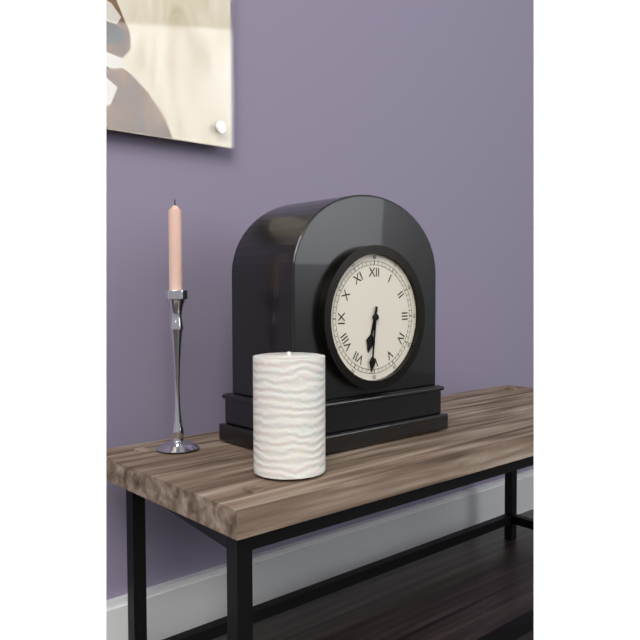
6:31
